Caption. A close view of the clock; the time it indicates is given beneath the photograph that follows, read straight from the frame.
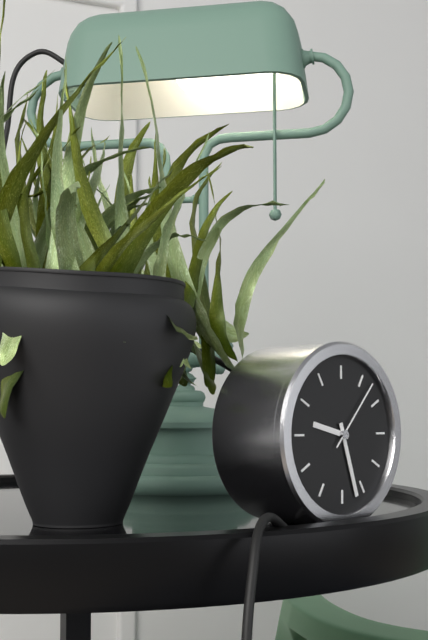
9:27:07
